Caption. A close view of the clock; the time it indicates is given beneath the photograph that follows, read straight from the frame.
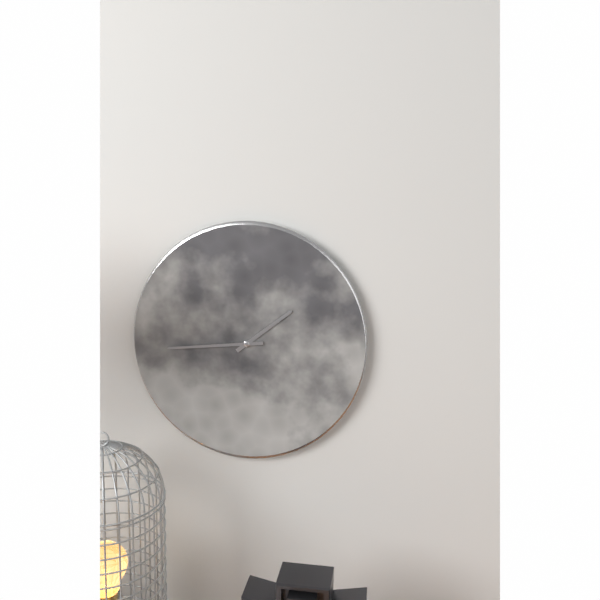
1:44
